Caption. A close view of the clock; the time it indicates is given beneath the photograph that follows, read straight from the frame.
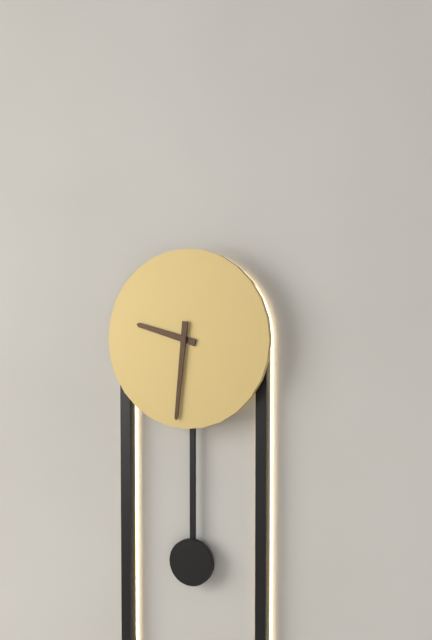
9:31
